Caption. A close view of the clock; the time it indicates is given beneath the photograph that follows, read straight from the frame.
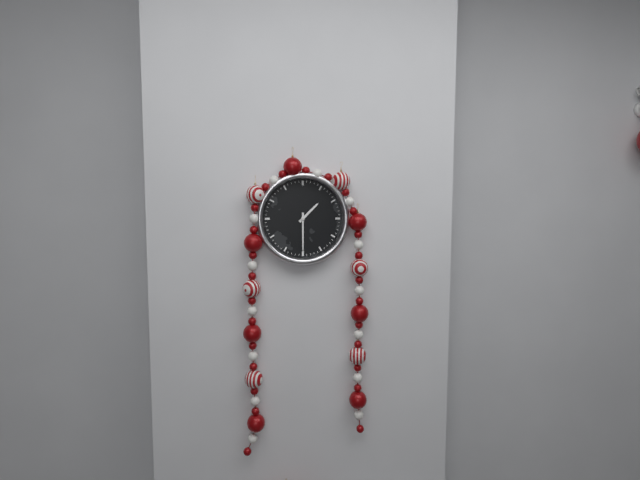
1:30
